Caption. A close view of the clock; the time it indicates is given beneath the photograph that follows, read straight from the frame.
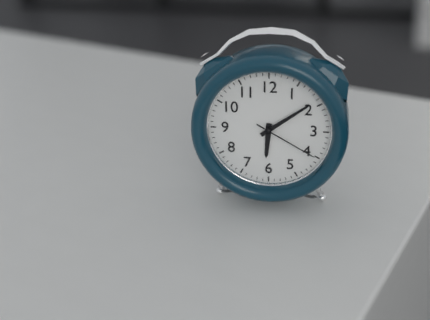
6:09:20
